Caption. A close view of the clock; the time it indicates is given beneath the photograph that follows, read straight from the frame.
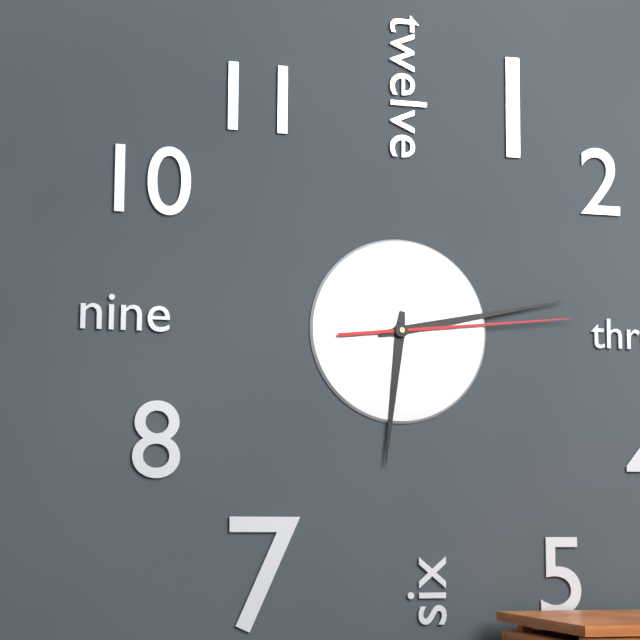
6:13:14
